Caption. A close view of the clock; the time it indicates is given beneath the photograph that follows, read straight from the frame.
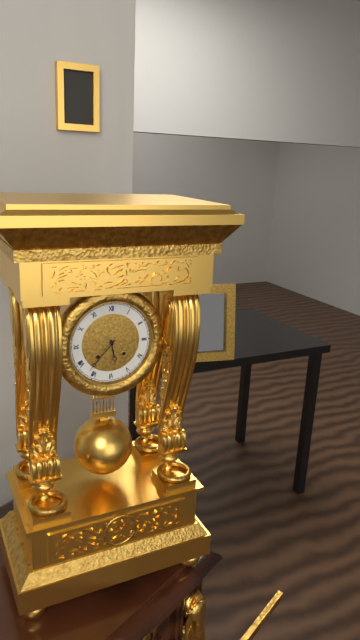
5:37
